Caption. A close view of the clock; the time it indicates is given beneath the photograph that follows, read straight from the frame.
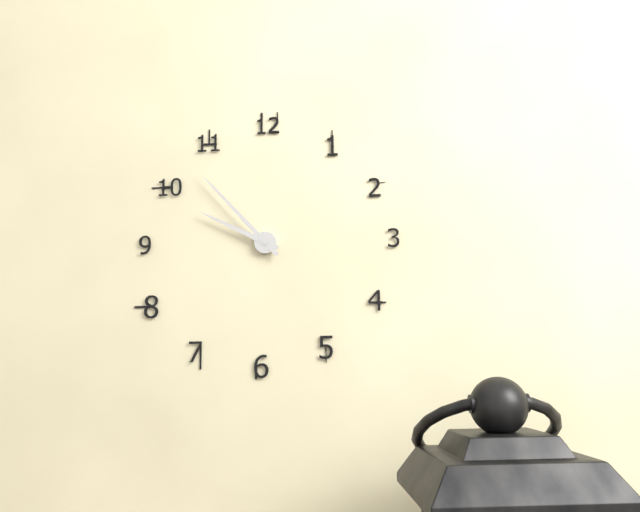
9:53
